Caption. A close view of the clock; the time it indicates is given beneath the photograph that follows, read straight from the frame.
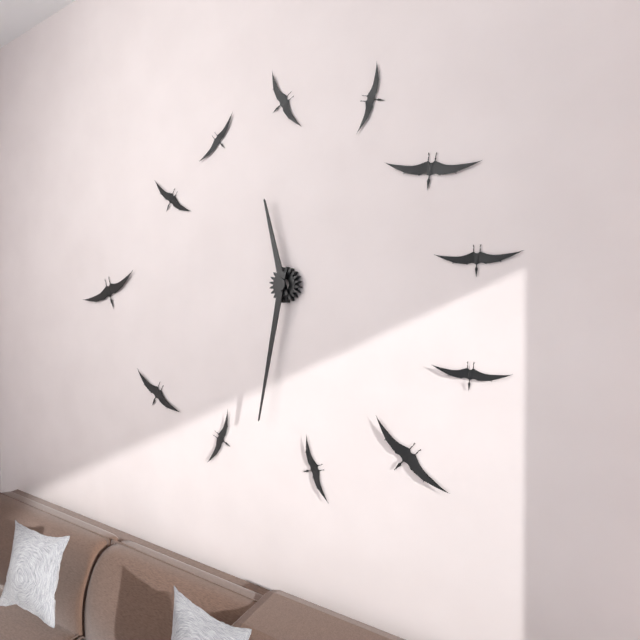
11:32
